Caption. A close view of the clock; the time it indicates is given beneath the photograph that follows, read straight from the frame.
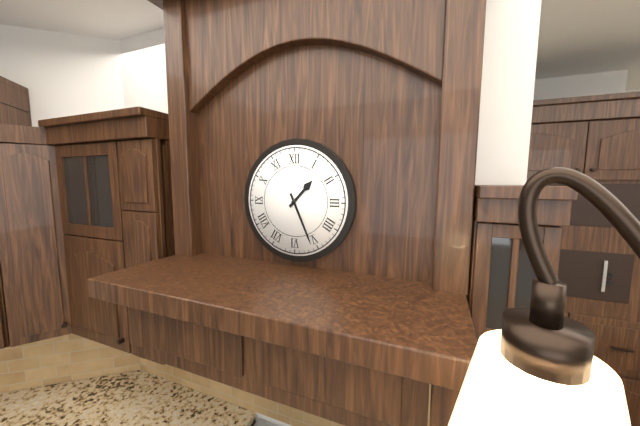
1:26
